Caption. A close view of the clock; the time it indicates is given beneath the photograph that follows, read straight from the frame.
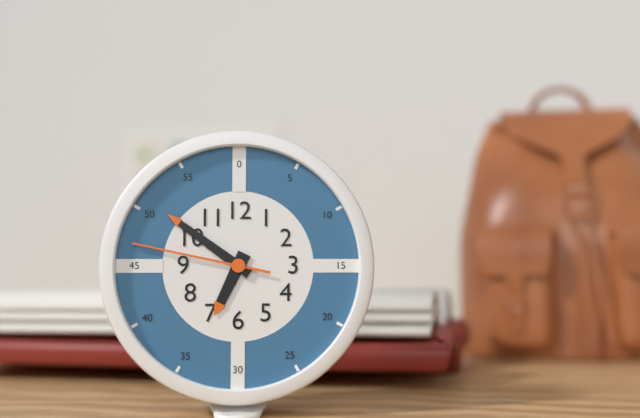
6:51:47
